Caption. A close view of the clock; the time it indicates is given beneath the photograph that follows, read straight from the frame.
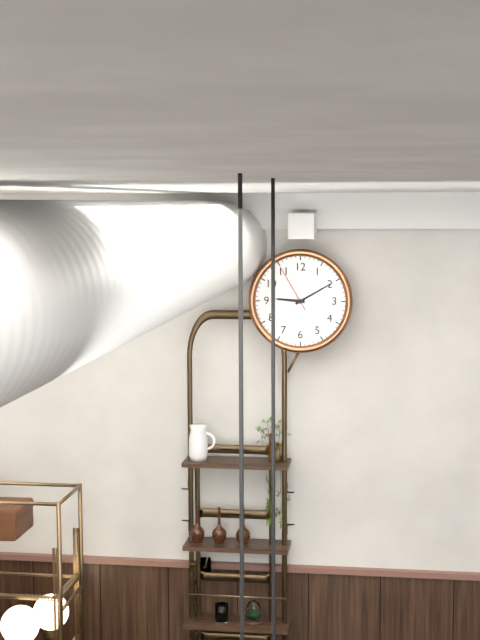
9:10:55
